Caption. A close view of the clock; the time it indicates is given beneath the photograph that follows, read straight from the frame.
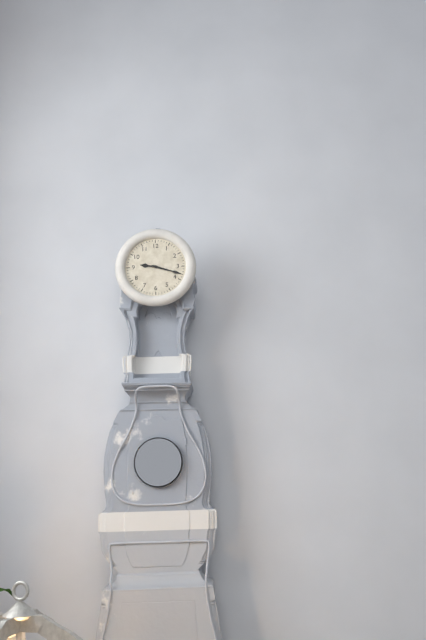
9:18
